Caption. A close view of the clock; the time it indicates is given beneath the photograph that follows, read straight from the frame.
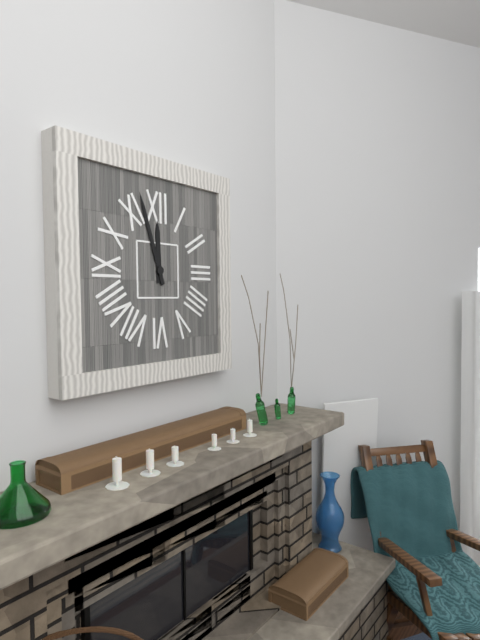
11:57
